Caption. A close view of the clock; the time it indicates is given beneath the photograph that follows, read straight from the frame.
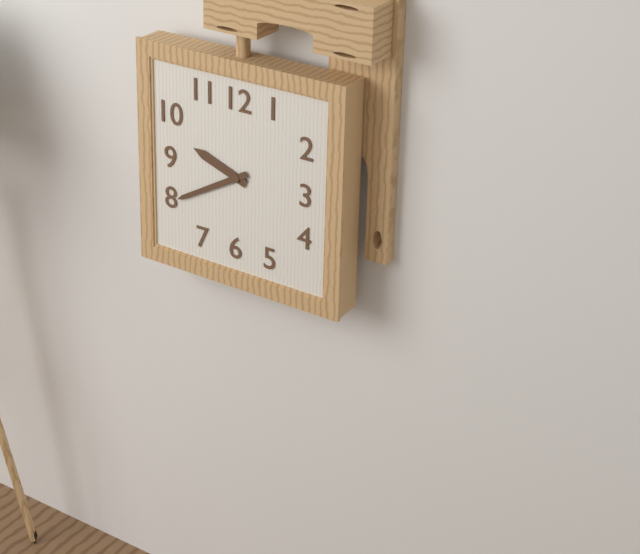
9:40
